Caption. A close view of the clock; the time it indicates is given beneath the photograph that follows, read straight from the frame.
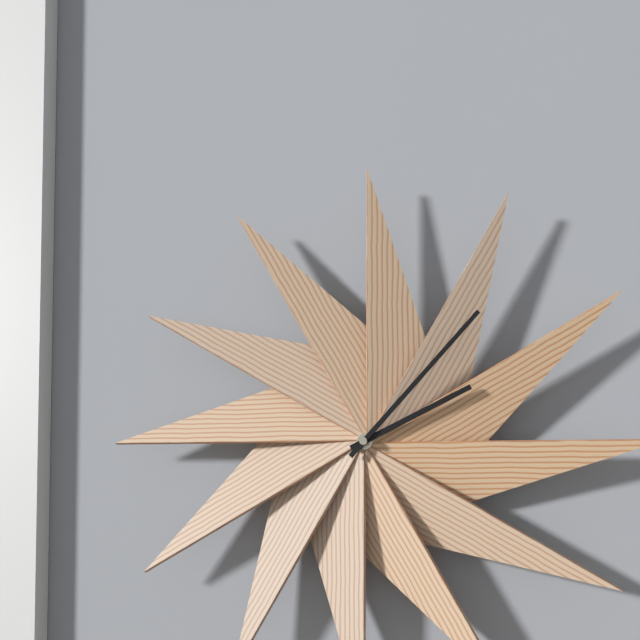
2:07
